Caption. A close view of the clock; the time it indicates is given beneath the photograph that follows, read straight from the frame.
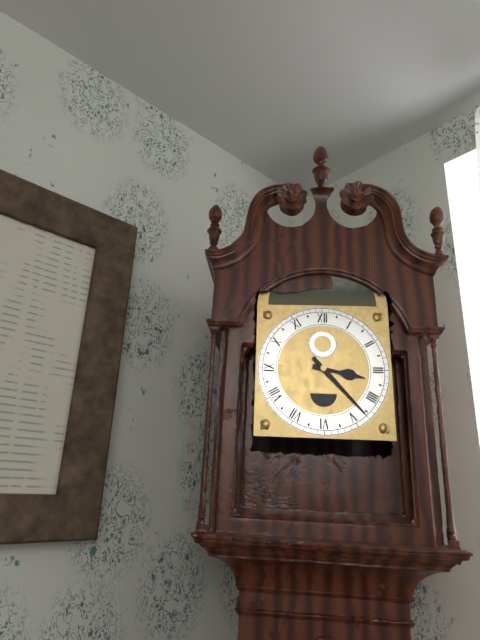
3:23
